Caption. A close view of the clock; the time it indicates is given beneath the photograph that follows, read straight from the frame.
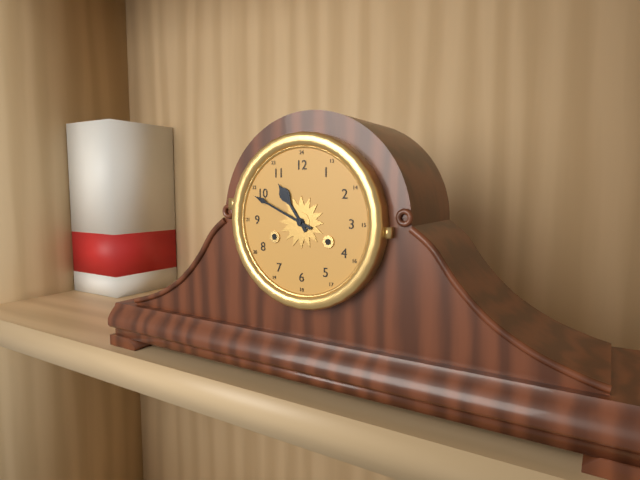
10:49
